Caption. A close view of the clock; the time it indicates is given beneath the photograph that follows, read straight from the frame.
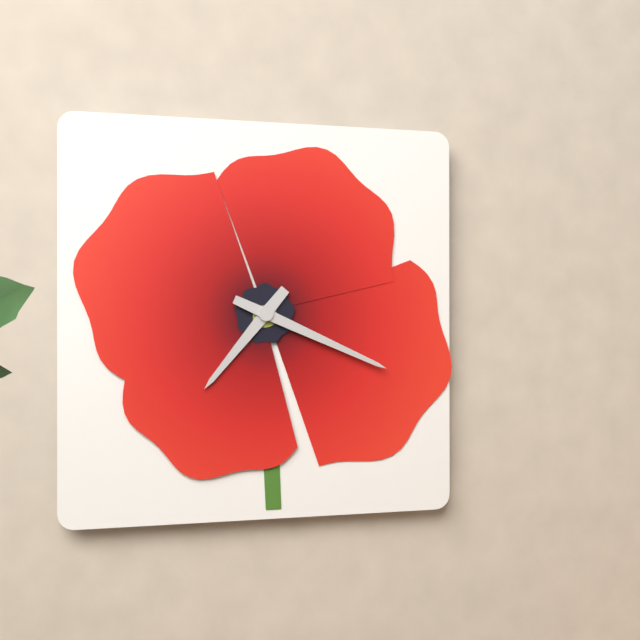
7:19
